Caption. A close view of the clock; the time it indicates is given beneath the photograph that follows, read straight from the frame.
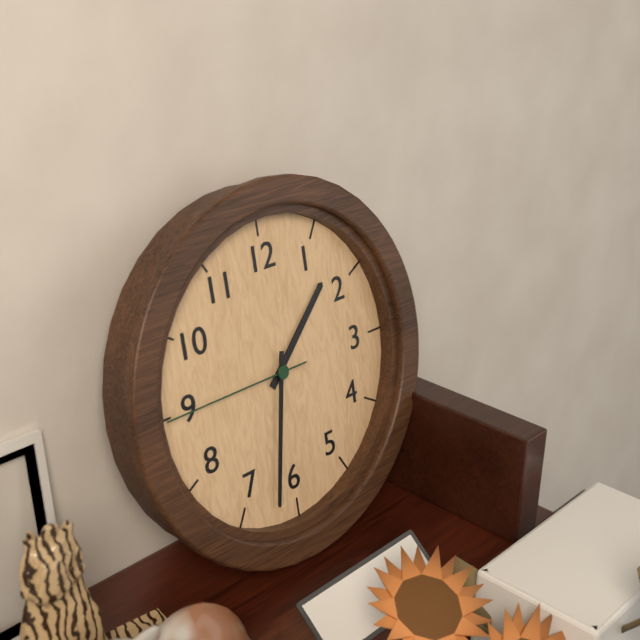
1:32:45
